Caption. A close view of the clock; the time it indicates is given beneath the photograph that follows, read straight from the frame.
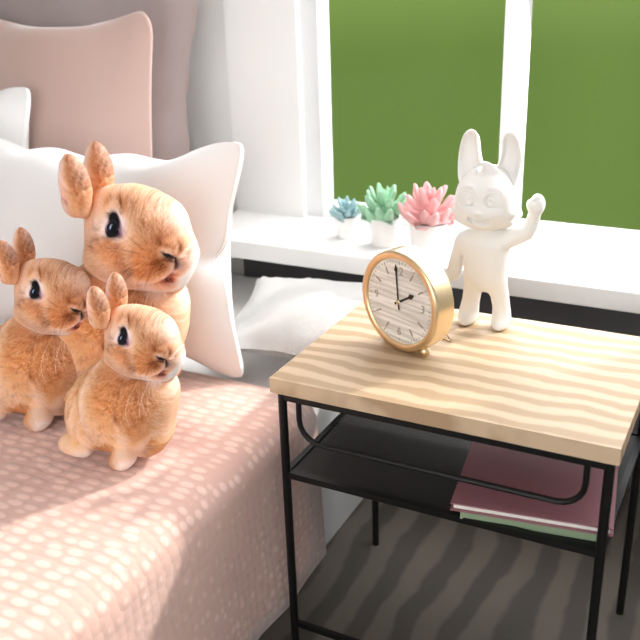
1:59
